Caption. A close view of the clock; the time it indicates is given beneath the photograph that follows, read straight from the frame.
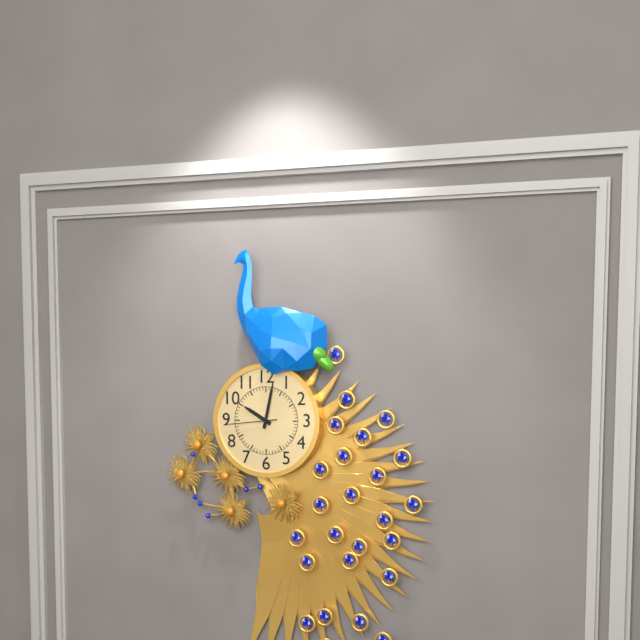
10:02:44
